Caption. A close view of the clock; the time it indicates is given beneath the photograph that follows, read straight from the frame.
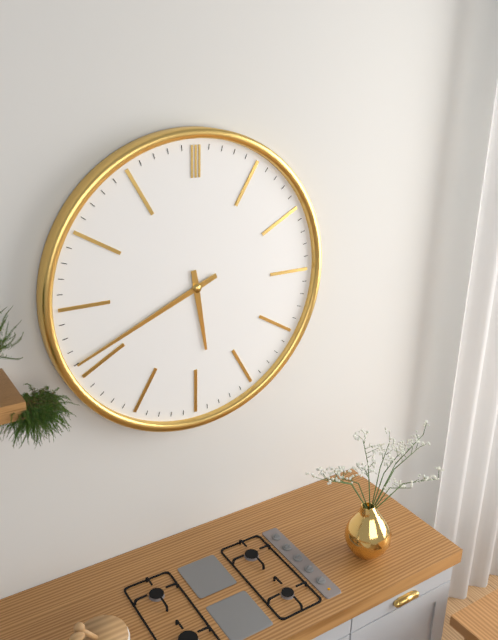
5:41
